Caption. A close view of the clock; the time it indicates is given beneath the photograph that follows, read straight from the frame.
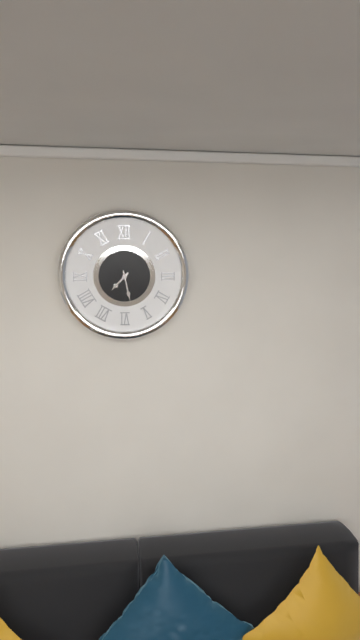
7:28
